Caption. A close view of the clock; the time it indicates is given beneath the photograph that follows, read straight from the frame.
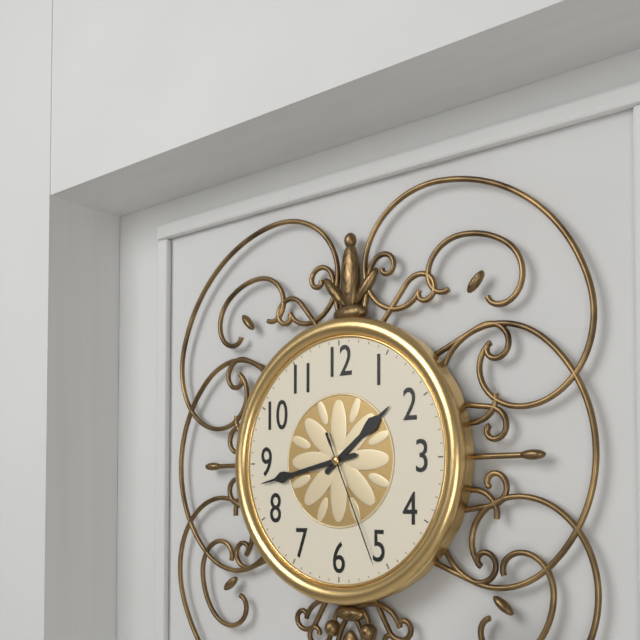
1:43:26
